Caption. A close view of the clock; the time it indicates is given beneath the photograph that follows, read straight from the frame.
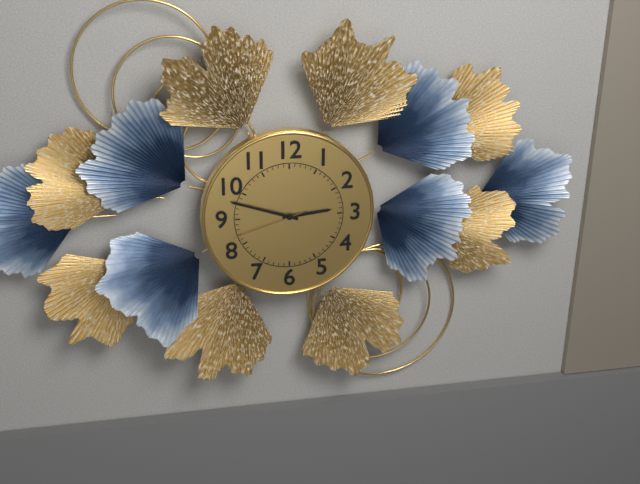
2:48:42
